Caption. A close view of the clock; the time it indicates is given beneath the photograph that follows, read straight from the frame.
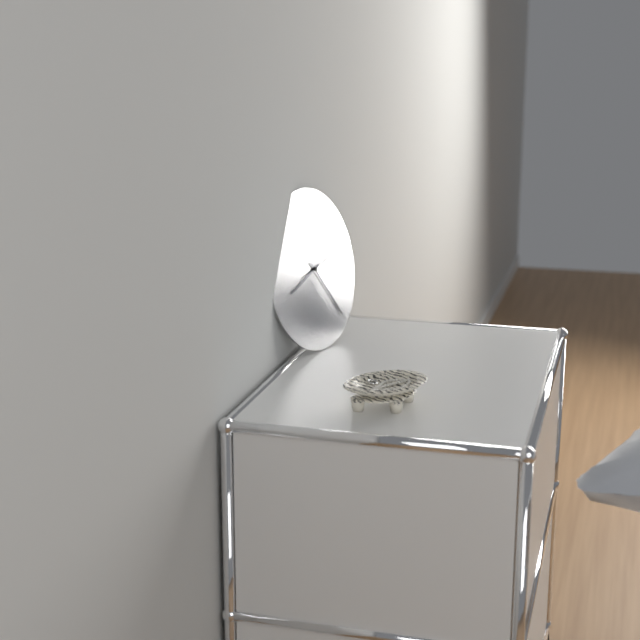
8:24:13
